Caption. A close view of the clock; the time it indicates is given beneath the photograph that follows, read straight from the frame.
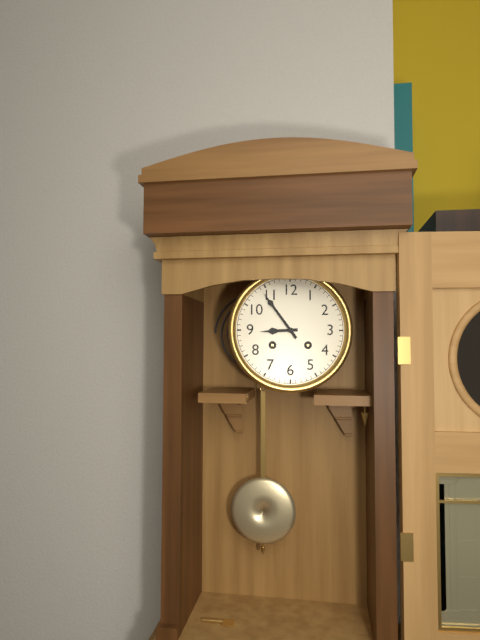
8:54
